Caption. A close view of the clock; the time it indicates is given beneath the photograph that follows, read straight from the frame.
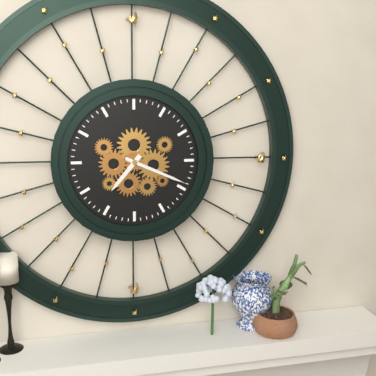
7:19
